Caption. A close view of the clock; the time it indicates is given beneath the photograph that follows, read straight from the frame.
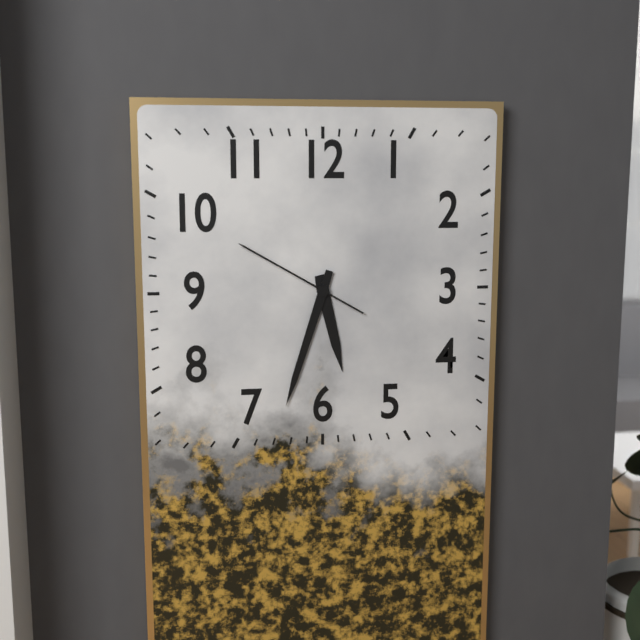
5:33:50
